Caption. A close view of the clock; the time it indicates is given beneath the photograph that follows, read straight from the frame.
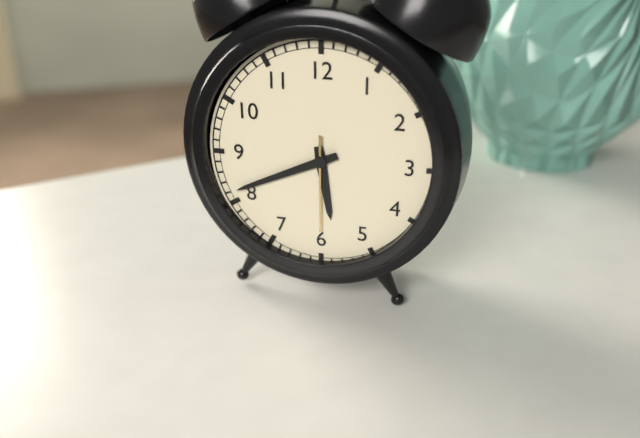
5:41:30
